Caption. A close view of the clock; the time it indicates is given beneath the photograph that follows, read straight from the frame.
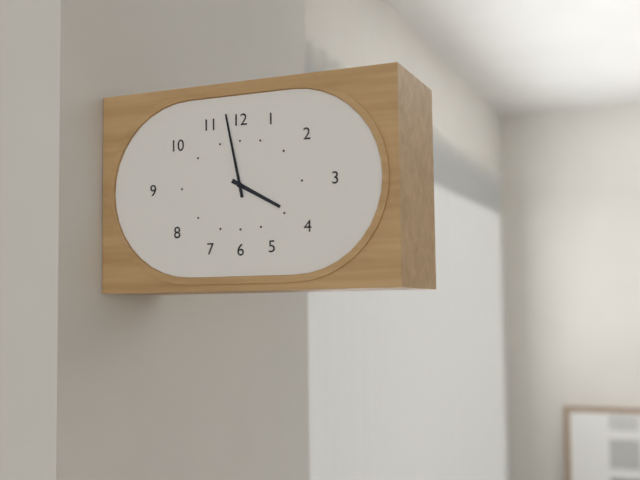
3:58
